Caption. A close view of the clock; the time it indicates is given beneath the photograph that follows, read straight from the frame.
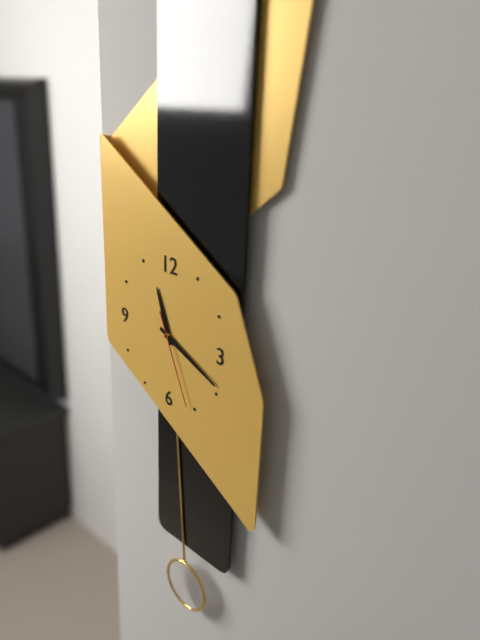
11:19:26
